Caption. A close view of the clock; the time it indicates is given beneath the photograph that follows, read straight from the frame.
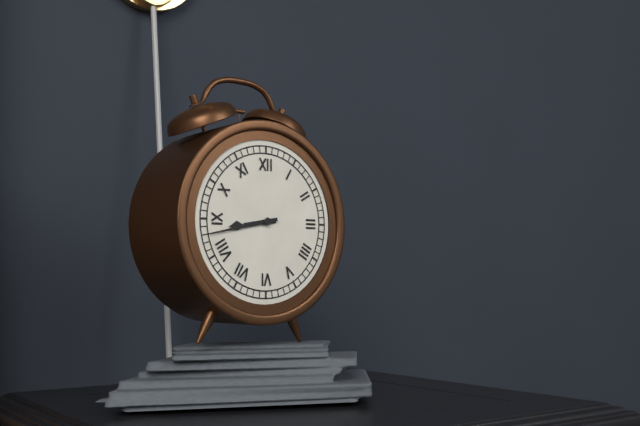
8:43
